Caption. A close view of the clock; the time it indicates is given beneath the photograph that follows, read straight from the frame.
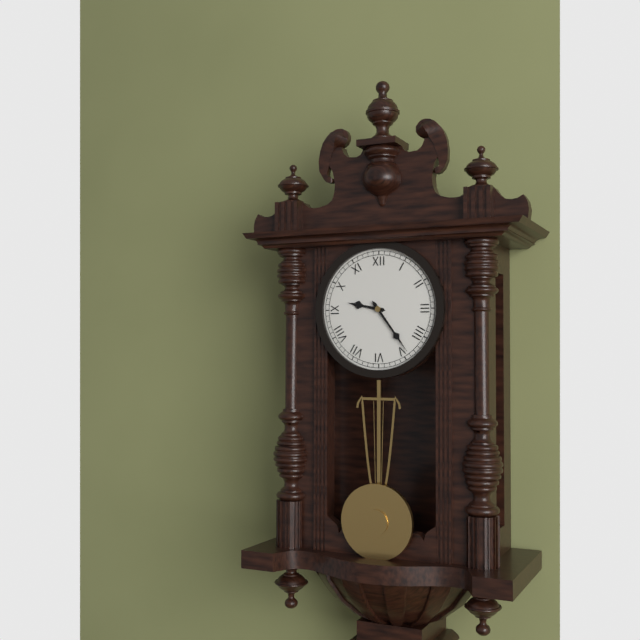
9:24
